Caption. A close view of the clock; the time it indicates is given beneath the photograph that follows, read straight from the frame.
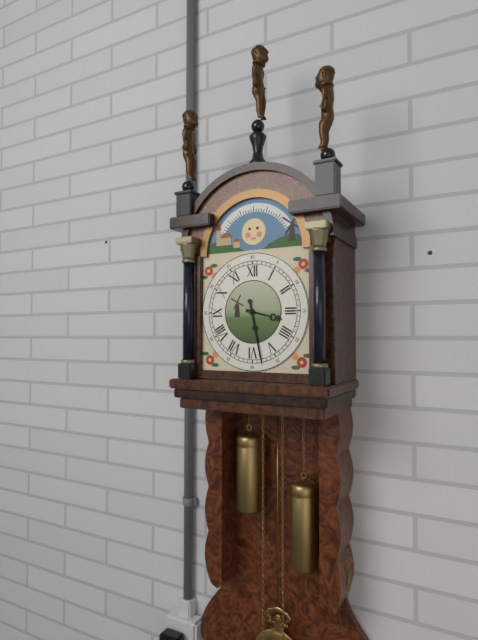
3:28
